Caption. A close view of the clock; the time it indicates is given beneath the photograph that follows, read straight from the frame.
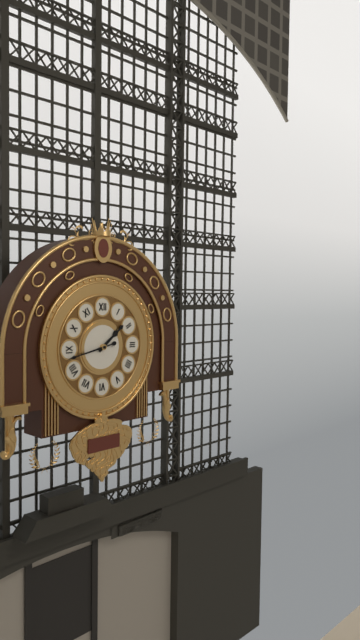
1:43
